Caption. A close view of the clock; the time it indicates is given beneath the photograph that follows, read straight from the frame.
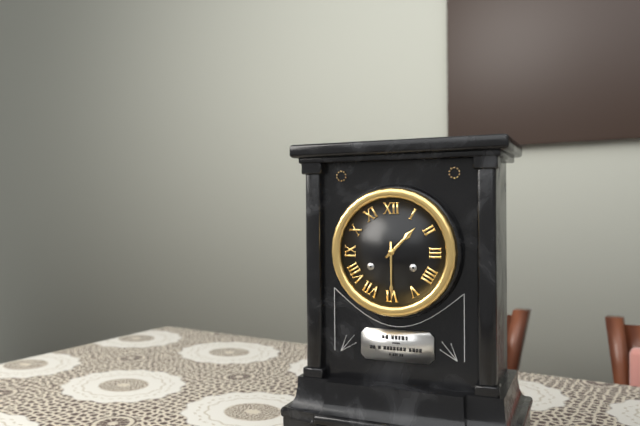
1:30
